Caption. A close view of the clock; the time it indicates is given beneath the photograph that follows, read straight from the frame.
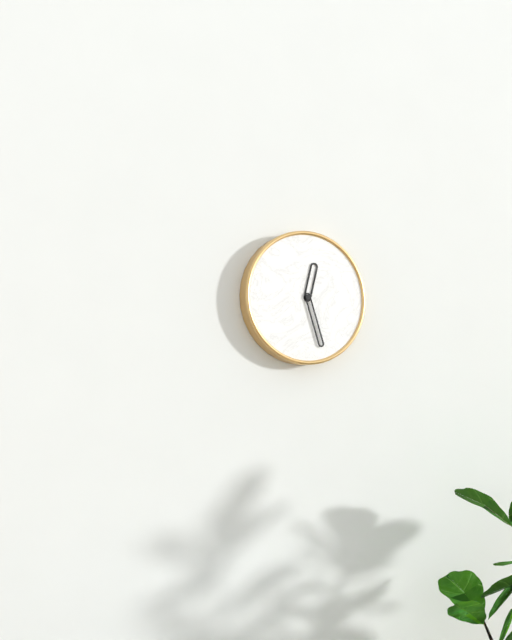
12:27
